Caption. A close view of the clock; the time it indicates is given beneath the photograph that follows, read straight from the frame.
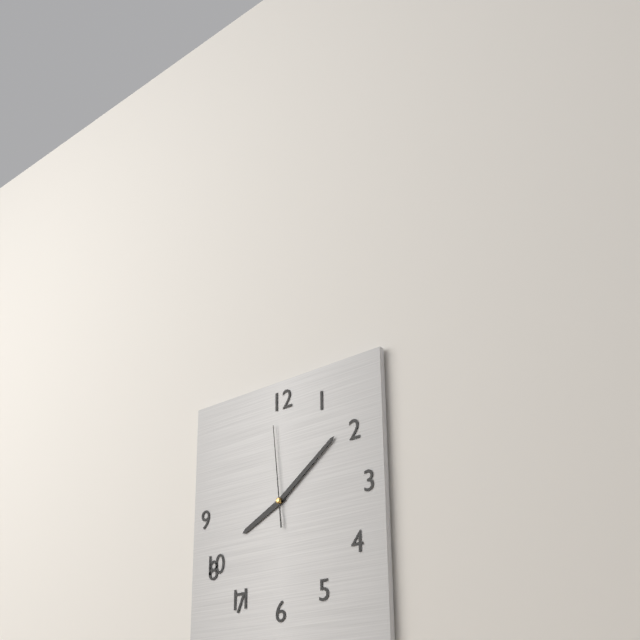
8:09:59
